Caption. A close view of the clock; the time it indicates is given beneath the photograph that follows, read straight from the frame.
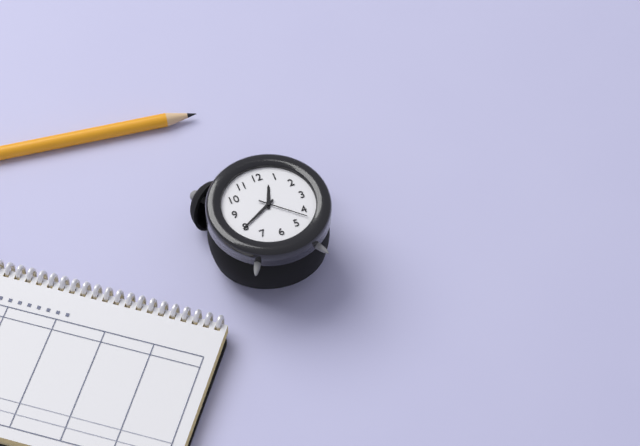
12:40:22
